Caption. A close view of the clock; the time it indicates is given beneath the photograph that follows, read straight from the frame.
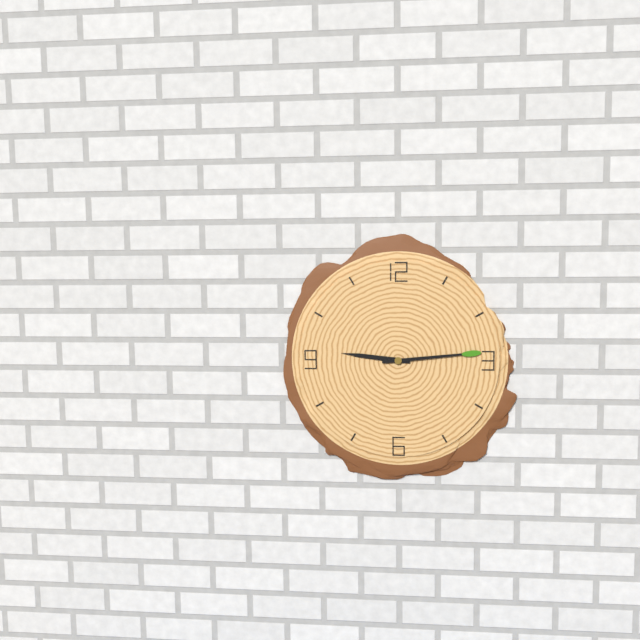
9:14
